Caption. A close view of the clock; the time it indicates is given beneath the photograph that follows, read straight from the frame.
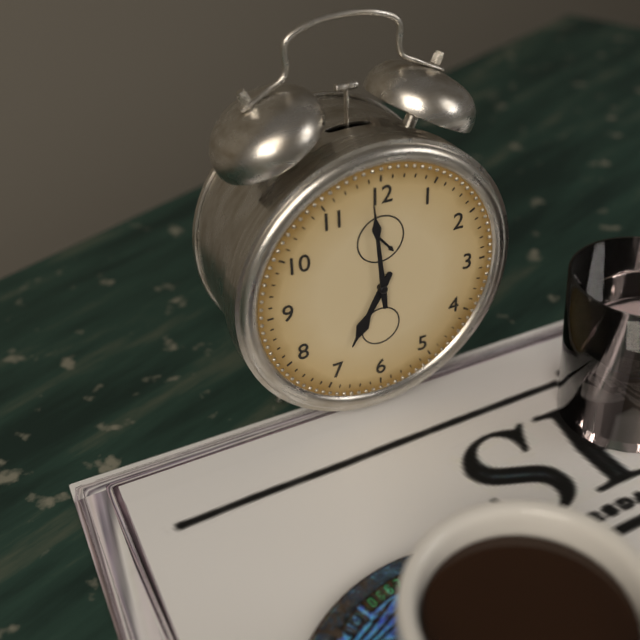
6:59
